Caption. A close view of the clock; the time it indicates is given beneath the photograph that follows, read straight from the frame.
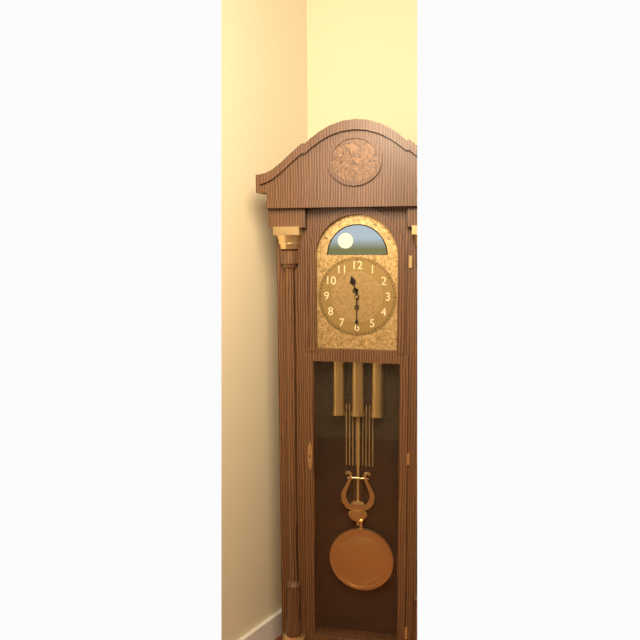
11:30
